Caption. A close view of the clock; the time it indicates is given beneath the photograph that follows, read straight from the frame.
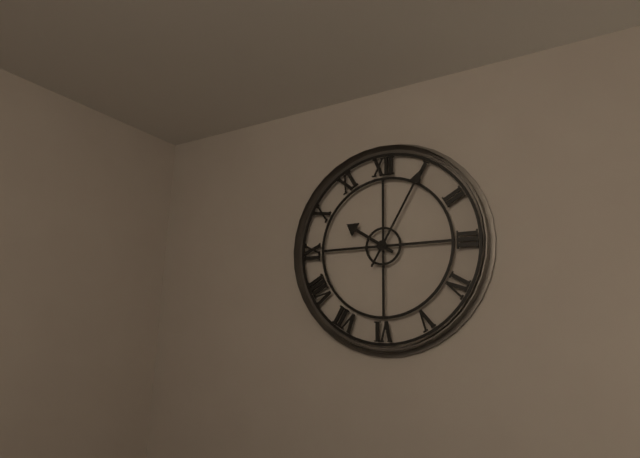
10:05
